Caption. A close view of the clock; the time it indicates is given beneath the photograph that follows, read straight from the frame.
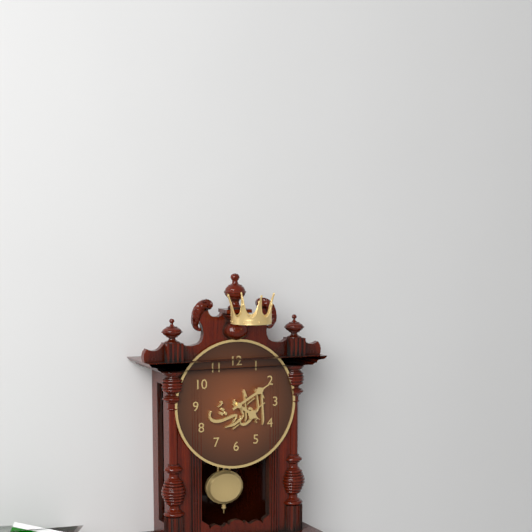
4:10
